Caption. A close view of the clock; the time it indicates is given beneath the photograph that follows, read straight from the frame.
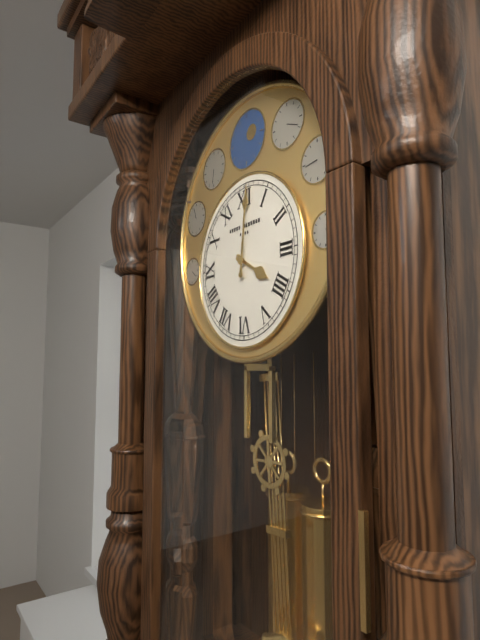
4:01
